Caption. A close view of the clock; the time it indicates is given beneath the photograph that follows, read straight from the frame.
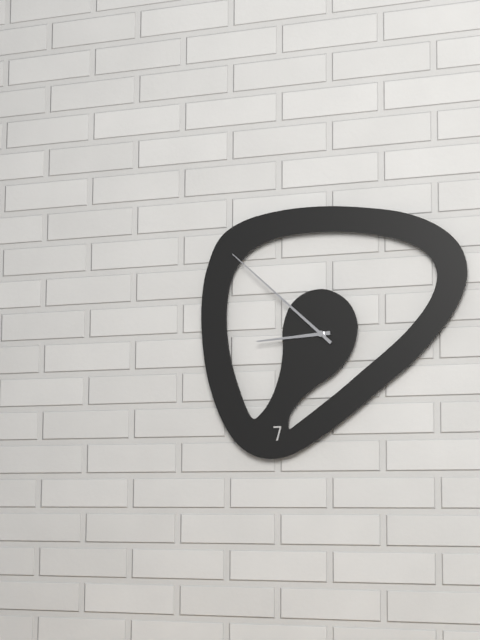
8:52
